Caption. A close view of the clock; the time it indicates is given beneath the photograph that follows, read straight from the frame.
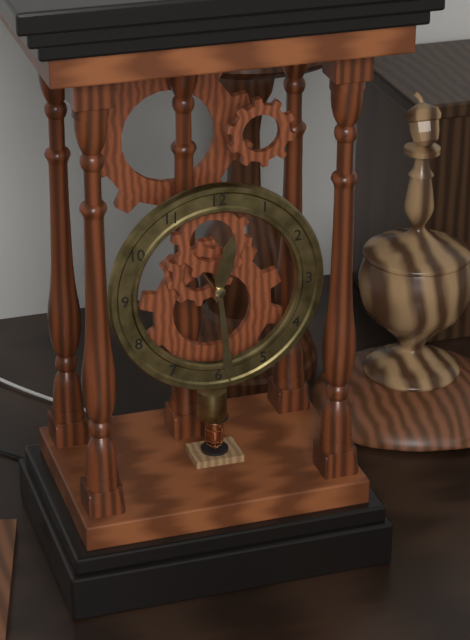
12:29
